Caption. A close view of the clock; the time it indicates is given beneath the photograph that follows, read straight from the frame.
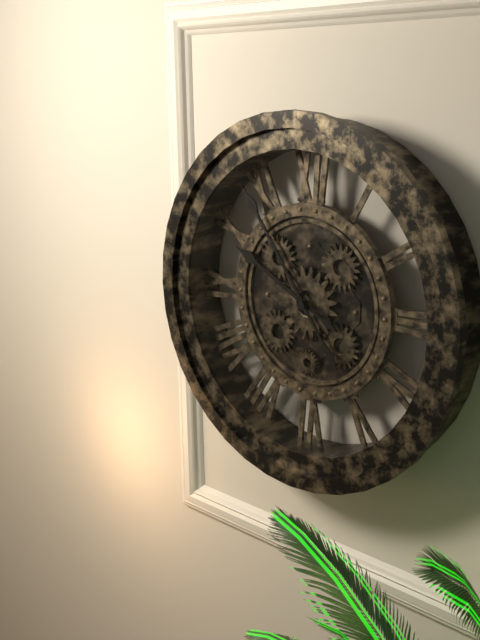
9:54
